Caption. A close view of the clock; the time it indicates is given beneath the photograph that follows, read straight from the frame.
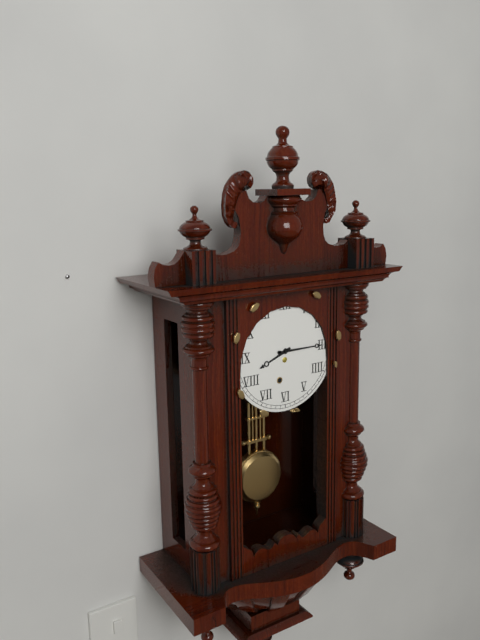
8:15
